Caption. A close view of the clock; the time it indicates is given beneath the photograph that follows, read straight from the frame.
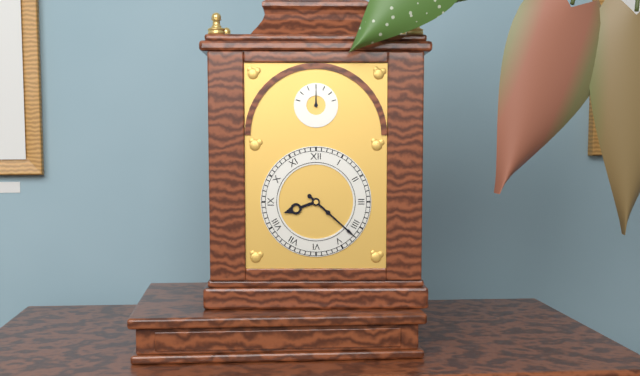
8:22
